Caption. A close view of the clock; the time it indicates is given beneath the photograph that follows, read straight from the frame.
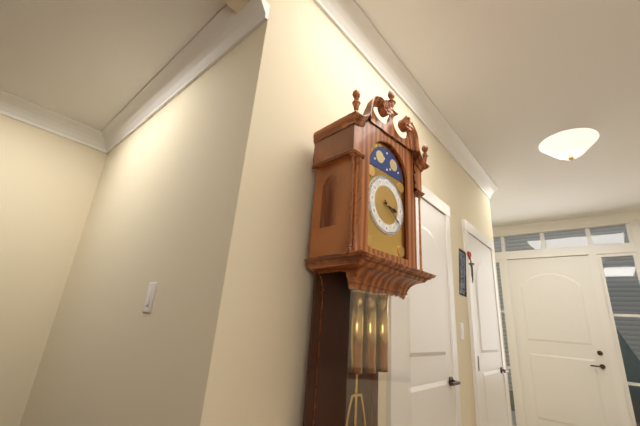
3:21
